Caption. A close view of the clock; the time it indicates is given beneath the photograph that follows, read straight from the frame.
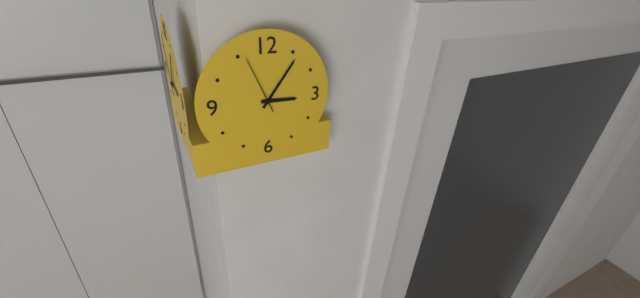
3:06:56
